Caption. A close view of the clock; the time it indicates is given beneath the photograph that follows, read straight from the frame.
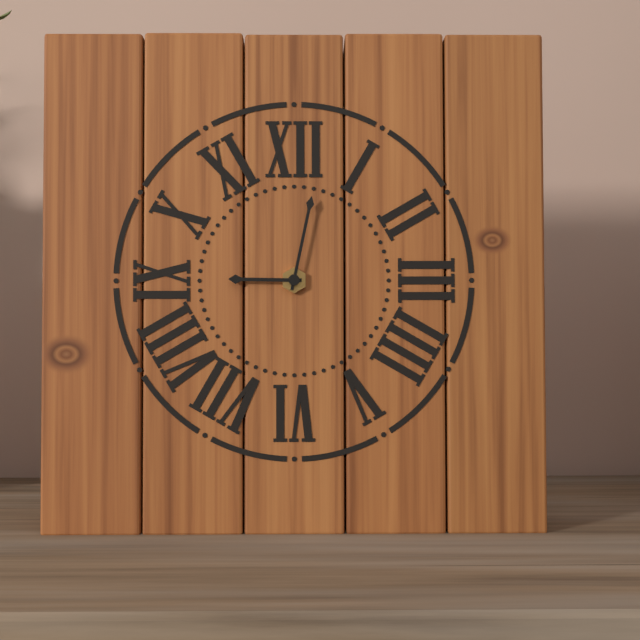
9:02
